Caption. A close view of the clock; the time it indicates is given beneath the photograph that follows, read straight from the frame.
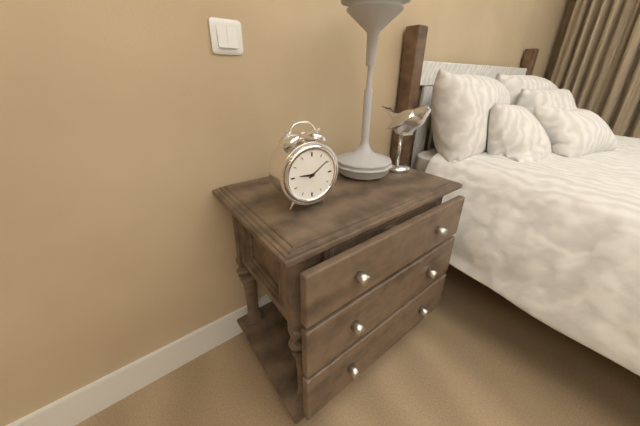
9:09
